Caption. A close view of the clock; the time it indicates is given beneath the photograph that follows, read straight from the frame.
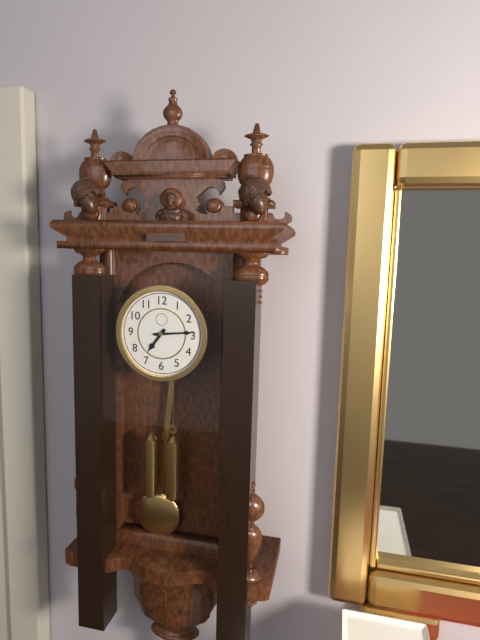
7:14
